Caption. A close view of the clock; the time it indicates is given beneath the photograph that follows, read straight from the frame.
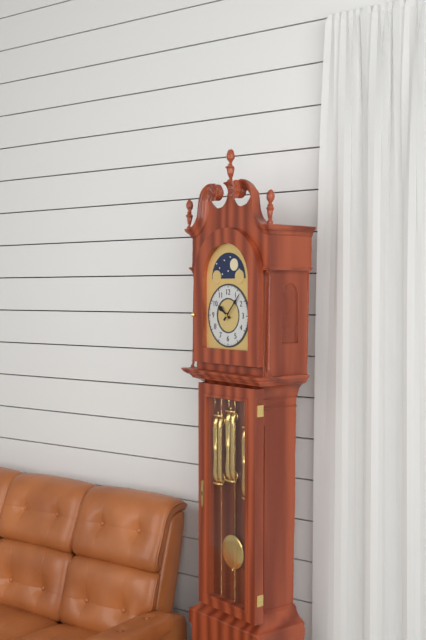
10:07
